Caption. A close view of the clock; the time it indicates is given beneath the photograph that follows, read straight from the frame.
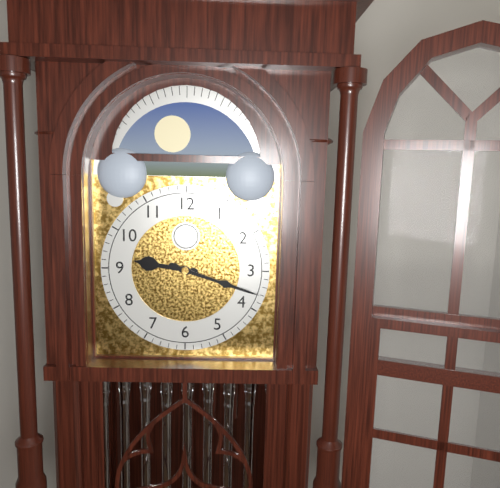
9:18
